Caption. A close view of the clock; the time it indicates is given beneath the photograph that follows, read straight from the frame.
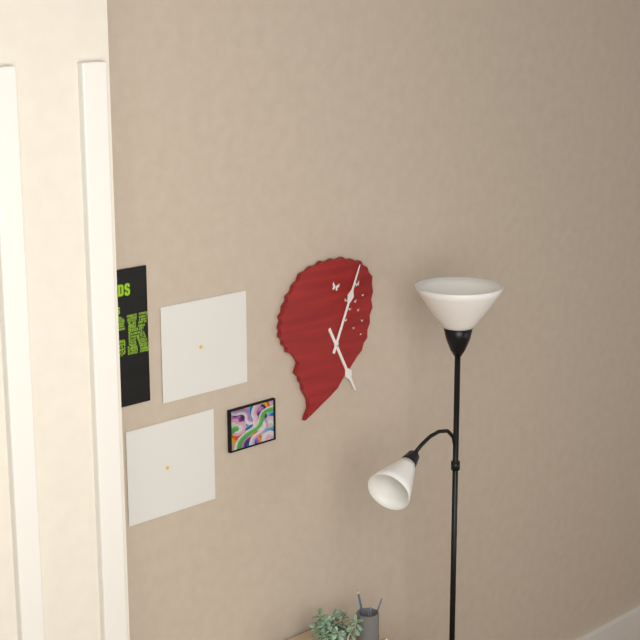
5:04
